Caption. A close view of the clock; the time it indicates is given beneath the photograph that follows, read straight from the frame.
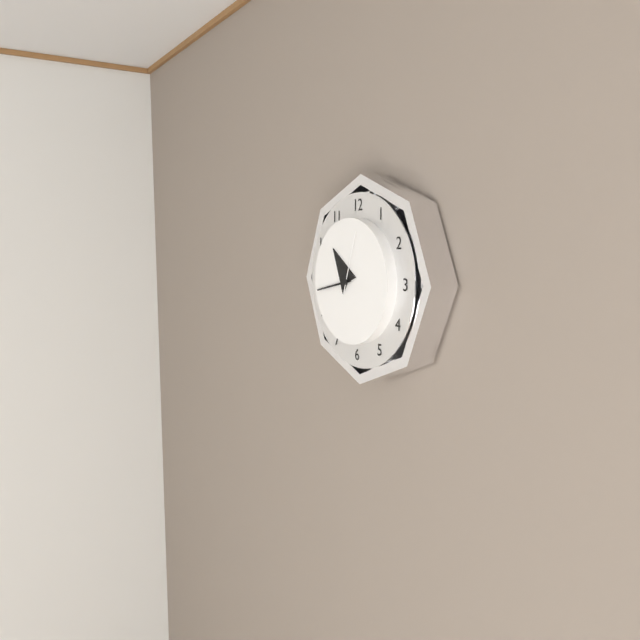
10:43:03
